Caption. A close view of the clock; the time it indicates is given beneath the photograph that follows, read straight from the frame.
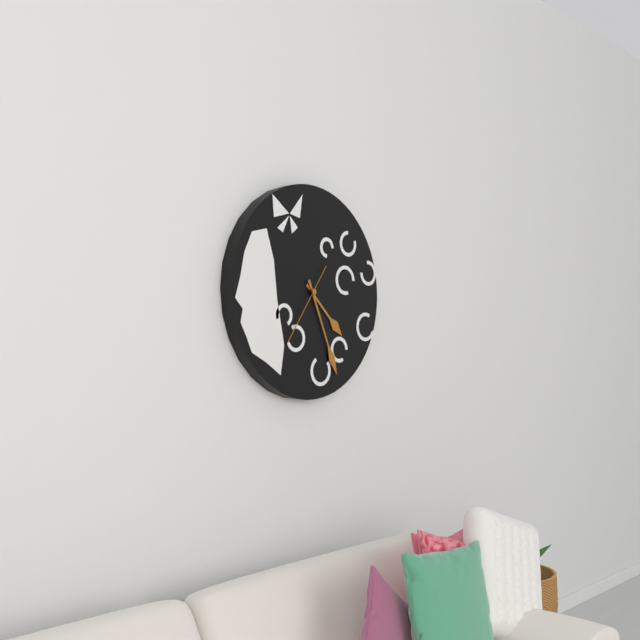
4:26:36
